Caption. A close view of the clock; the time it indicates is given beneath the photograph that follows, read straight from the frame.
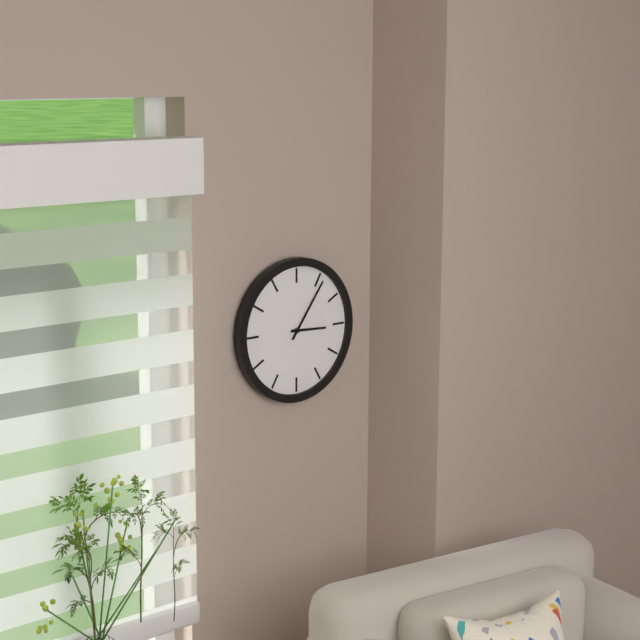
3:06
